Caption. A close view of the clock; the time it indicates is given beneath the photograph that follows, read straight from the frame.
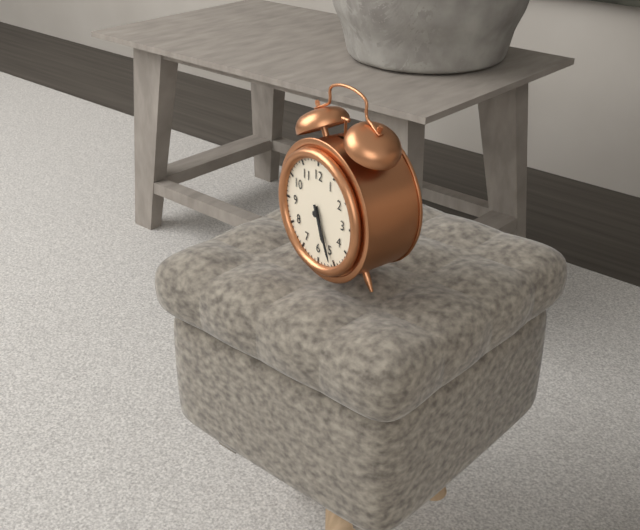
5:26
